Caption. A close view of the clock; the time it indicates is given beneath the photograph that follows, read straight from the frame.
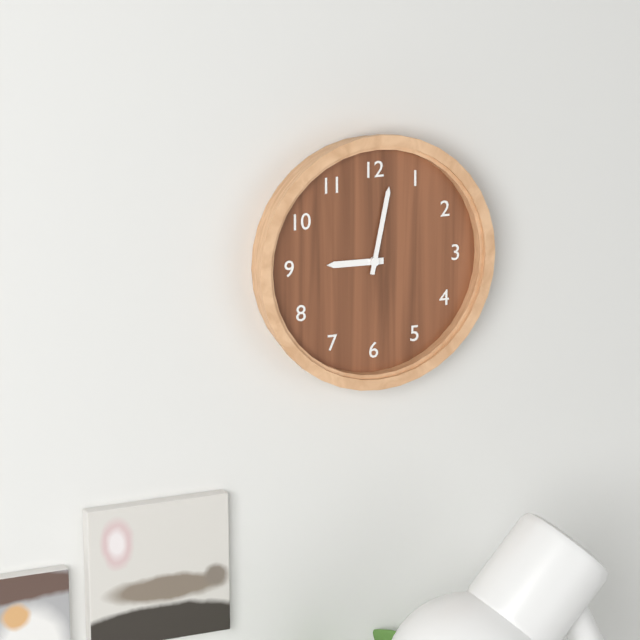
9:02
